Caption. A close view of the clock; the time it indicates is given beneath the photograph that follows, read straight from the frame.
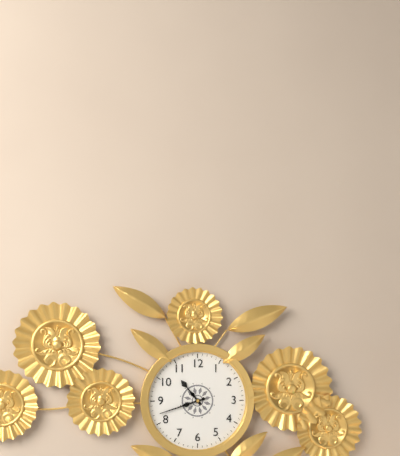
10:42
